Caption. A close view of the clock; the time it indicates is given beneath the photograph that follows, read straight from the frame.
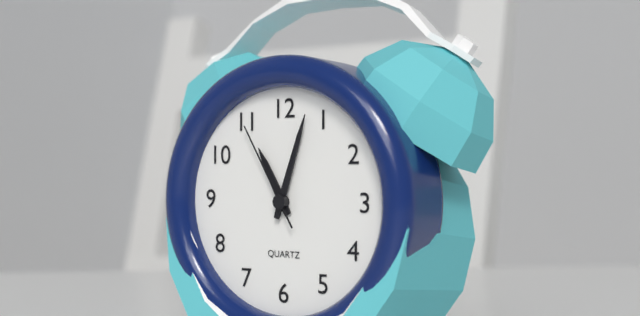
11:03:55
